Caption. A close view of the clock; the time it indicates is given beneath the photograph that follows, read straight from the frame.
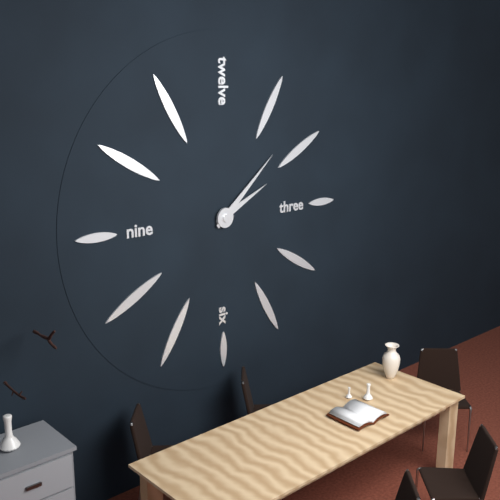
2:08
